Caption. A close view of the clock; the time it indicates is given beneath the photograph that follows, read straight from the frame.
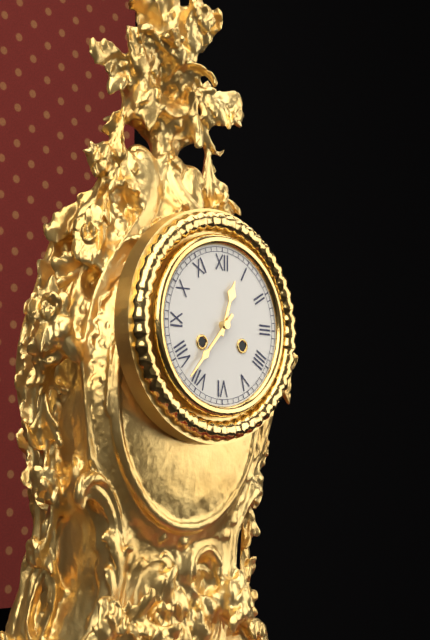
12:37
